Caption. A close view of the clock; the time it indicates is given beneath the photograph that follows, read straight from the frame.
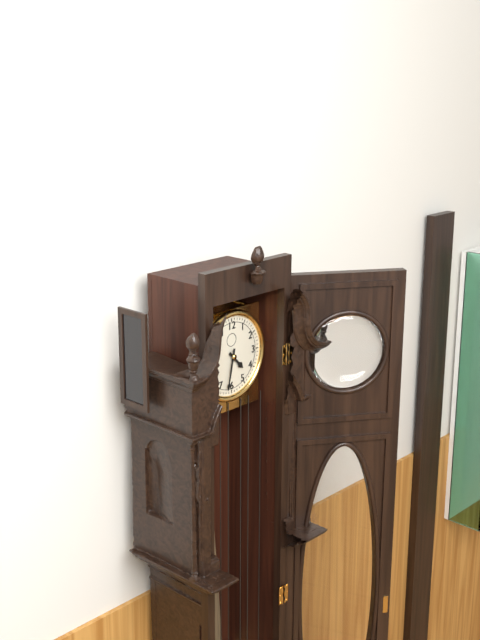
4:32
